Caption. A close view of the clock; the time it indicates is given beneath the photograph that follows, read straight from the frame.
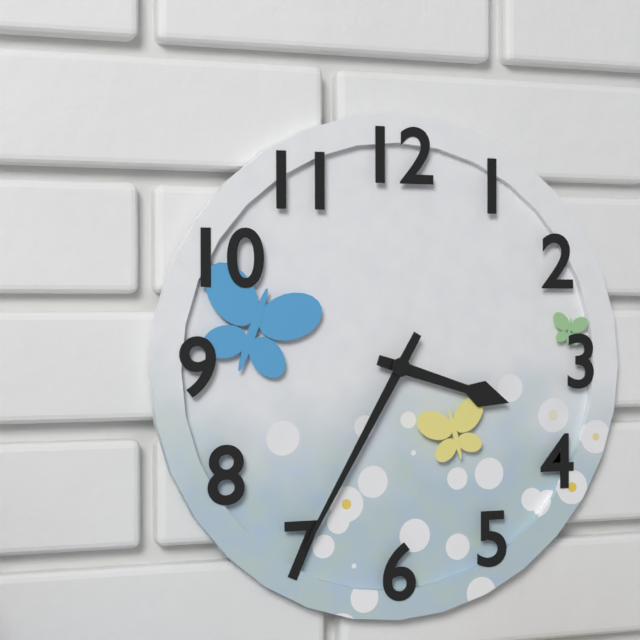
3:35
